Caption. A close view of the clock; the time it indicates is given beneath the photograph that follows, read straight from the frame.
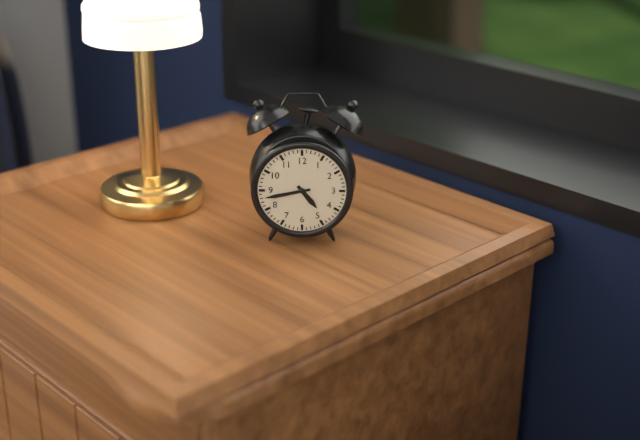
4:43
